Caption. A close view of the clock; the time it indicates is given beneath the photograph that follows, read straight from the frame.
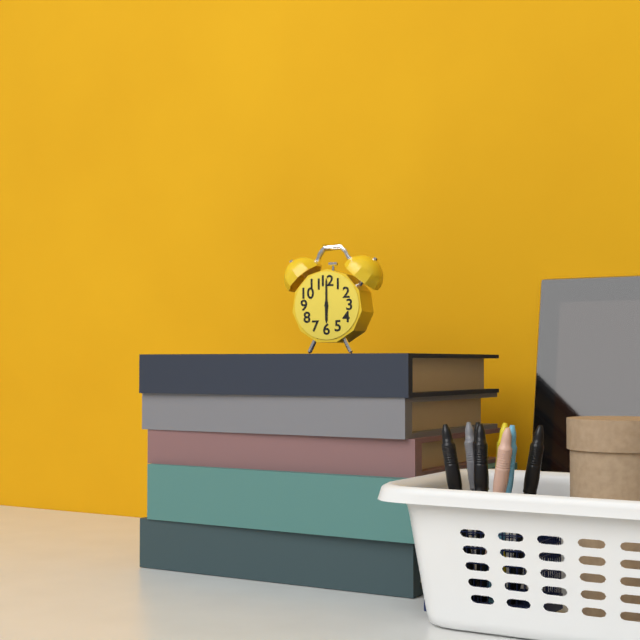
6:00
